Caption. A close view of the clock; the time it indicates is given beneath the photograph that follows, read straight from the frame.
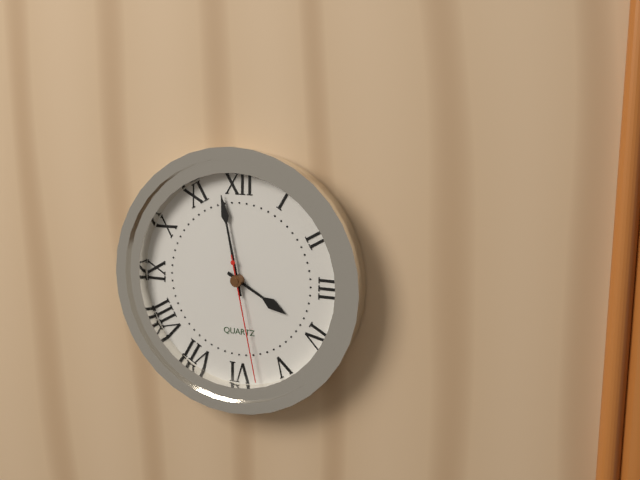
3:58:28
